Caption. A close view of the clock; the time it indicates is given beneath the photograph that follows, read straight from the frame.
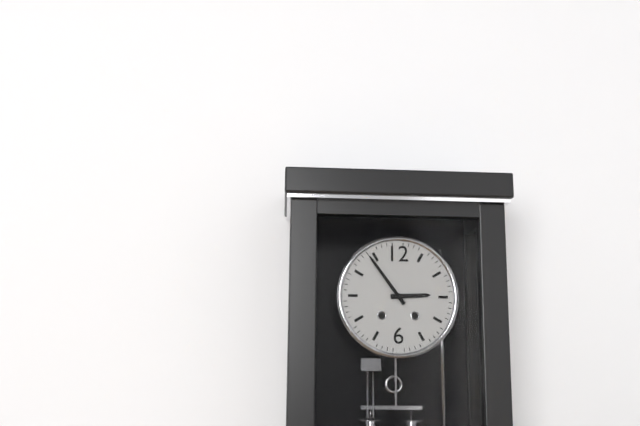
2:54
